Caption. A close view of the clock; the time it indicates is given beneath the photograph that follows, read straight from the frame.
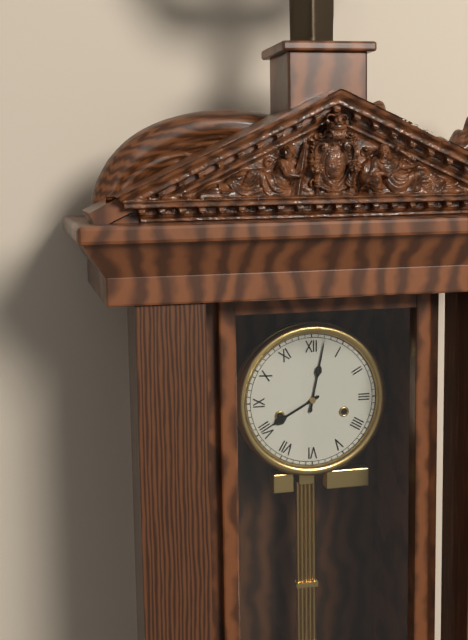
8:02
